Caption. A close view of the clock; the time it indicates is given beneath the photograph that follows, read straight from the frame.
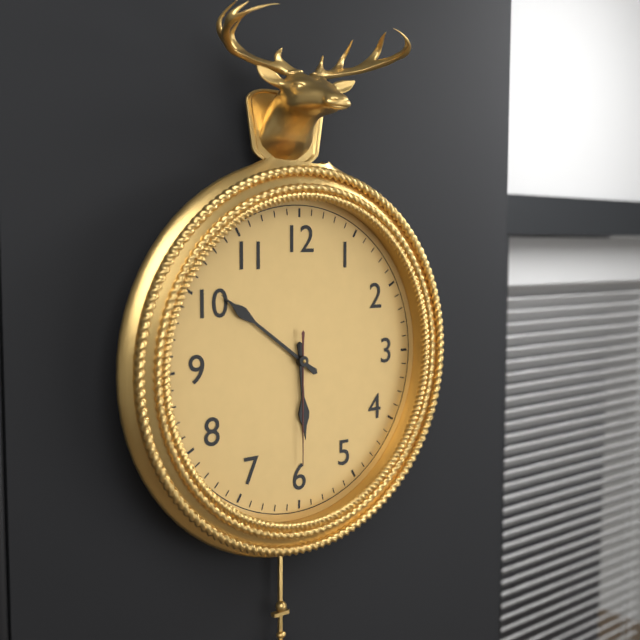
5:51:30
